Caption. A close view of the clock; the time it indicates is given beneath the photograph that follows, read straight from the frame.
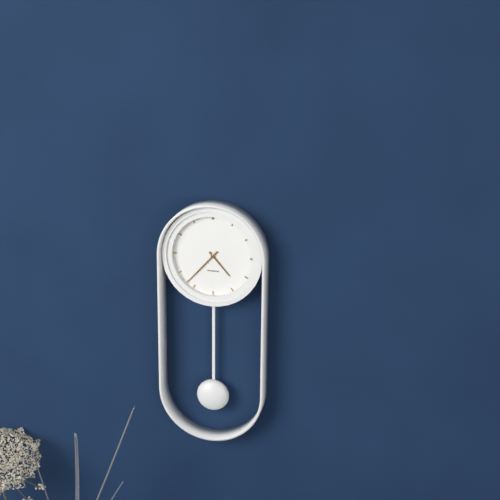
4:37
